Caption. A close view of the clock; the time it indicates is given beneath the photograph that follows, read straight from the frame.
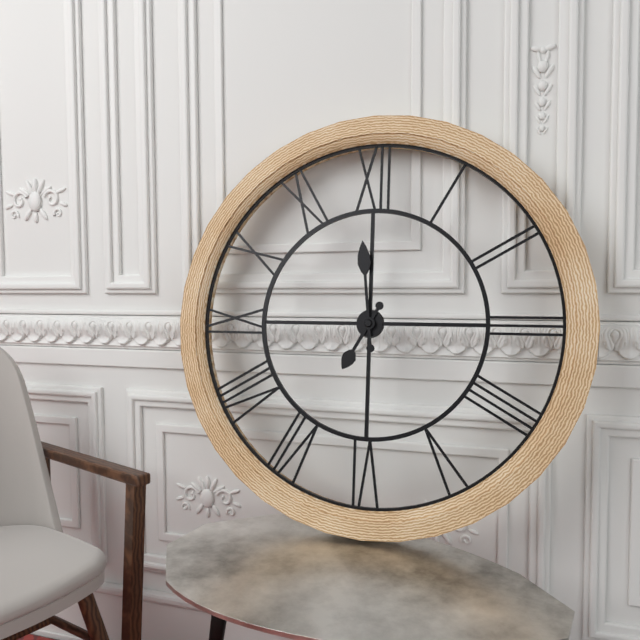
6:59
